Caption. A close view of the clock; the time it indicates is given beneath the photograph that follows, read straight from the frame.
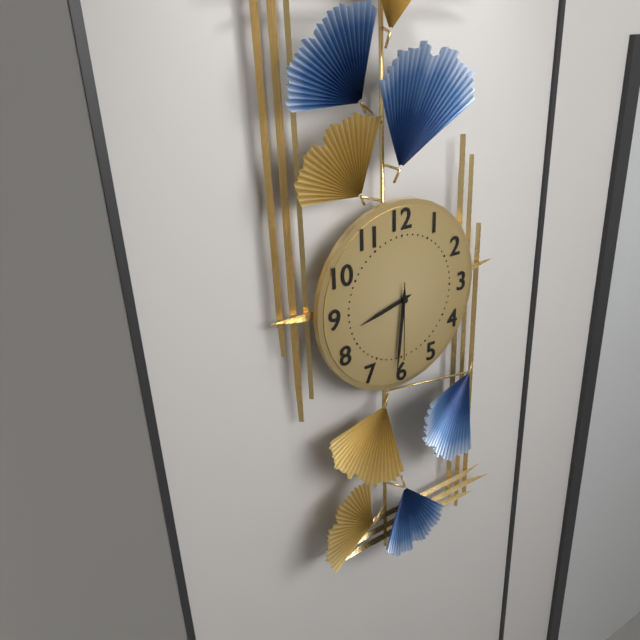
8:31:30
